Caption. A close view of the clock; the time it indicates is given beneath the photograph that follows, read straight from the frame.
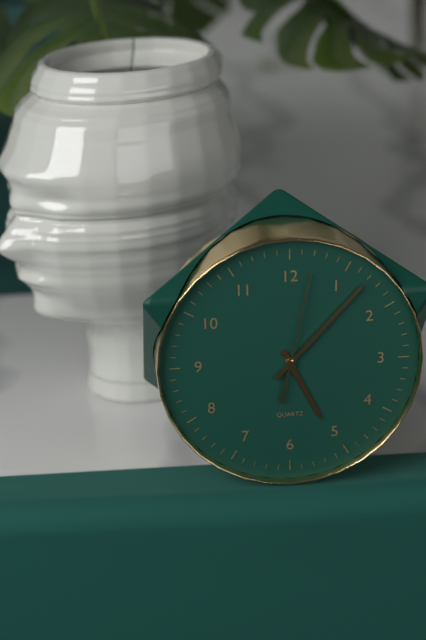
5:07:02
